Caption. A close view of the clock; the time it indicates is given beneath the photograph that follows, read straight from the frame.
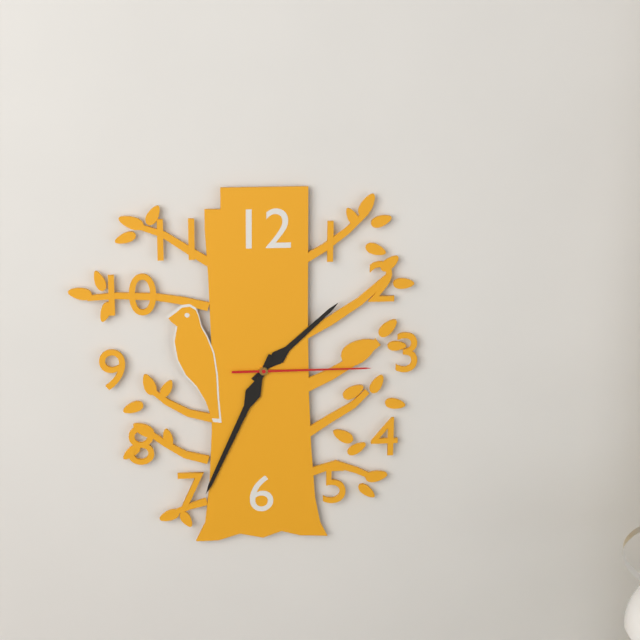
1:34:15
